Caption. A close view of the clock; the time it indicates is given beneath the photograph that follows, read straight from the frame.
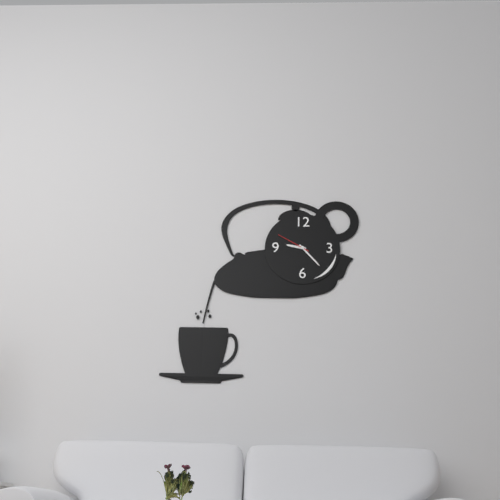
9:23
